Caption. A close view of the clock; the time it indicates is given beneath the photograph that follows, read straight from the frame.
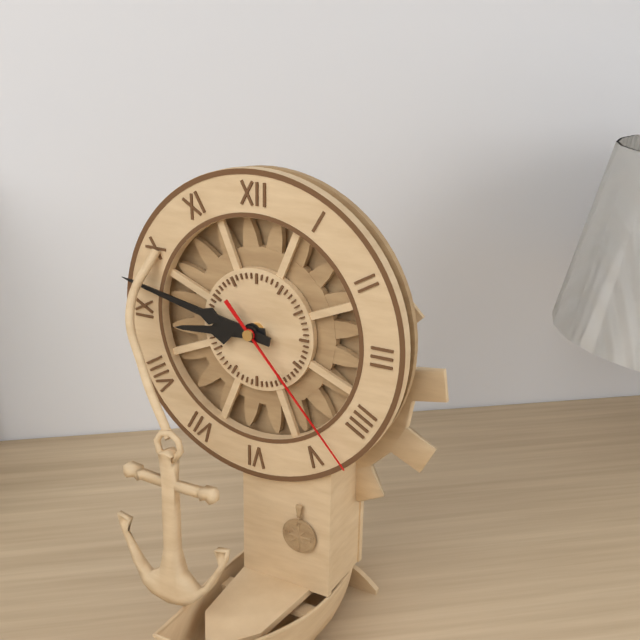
8:47:23
